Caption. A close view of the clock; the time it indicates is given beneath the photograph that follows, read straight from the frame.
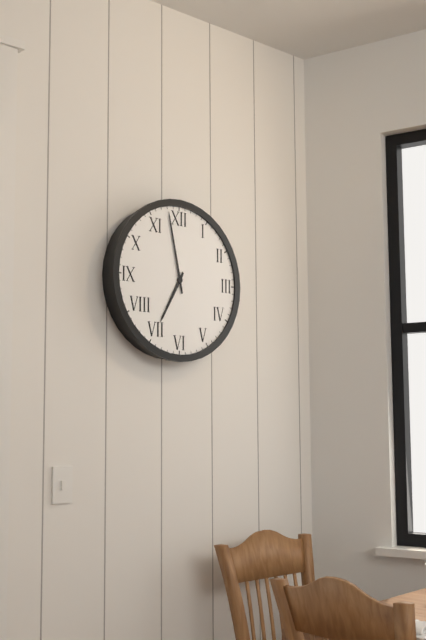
6:58
